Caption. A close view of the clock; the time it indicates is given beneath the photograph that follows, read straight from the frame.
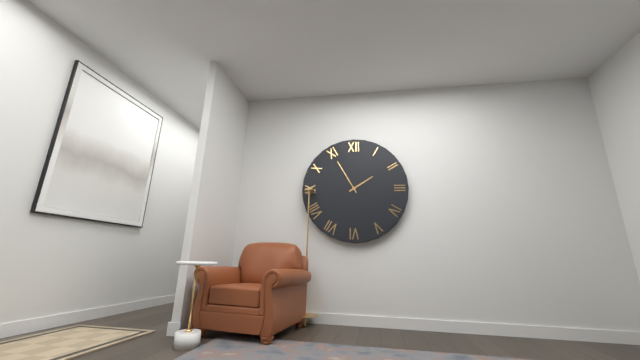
1:55
